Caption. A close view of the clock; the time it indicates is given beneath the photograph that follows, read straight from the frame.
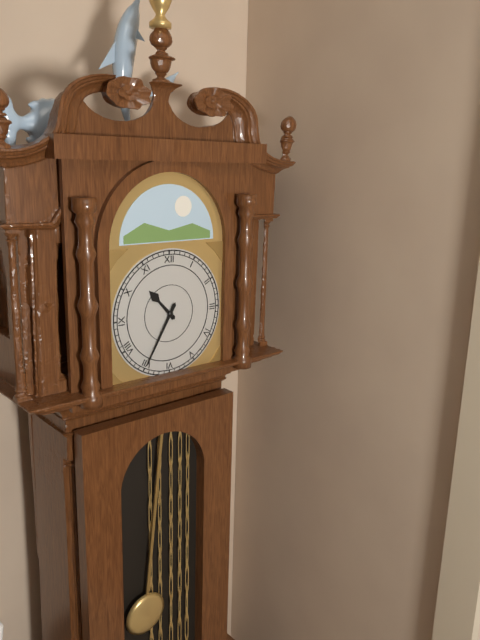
10:35
